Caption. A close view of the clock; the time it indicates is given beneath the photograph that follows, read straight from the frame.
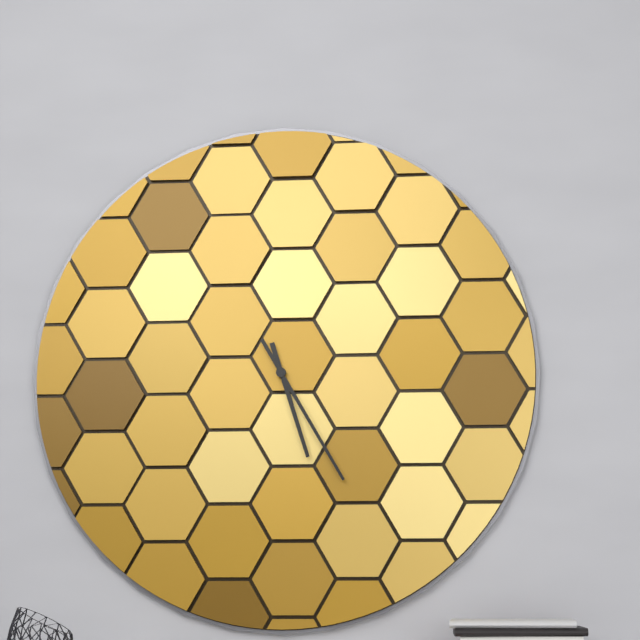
5:25
